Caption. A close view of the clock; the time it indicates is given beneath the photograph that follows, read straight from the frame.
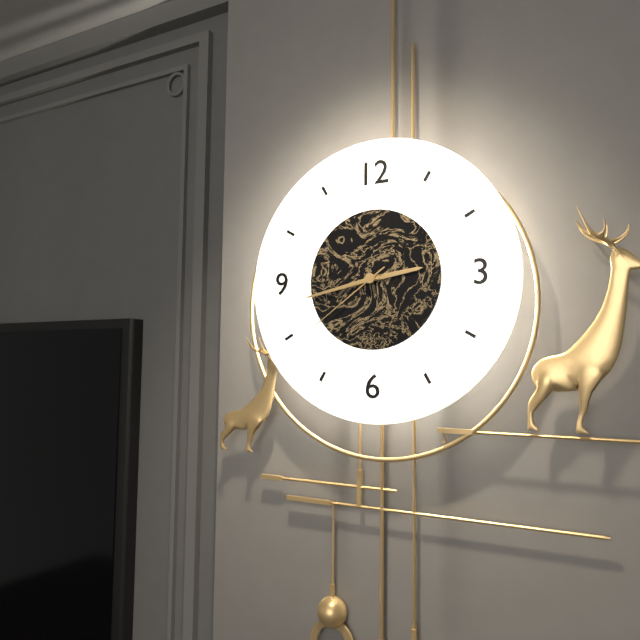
2:43:39
